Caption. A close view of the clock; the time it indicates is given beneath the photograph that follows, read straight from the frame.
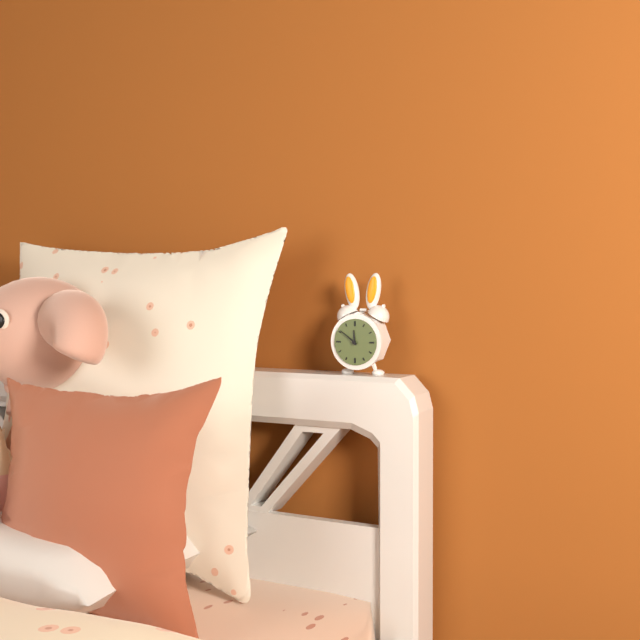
11:51
